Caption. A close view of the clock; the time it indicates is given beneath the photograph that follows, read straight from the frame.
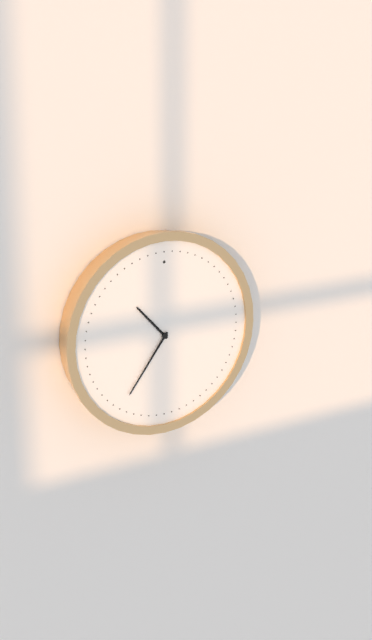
10:36
